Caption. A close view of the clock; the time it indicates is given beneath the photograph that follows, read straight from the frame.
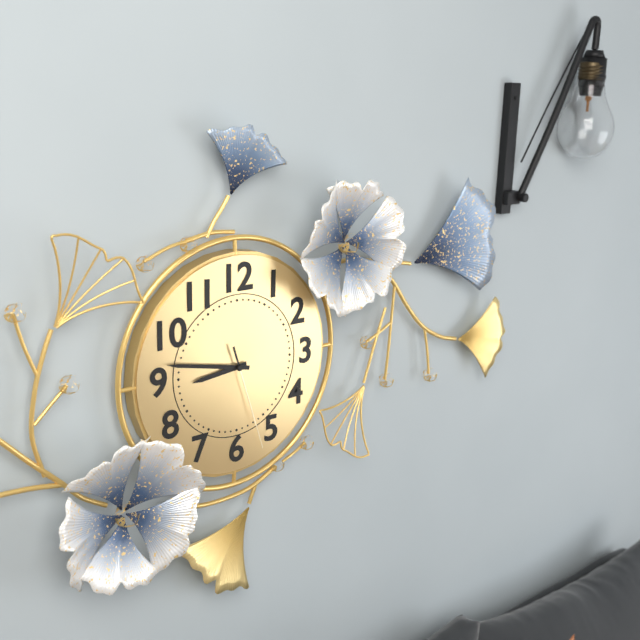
8:47:27
